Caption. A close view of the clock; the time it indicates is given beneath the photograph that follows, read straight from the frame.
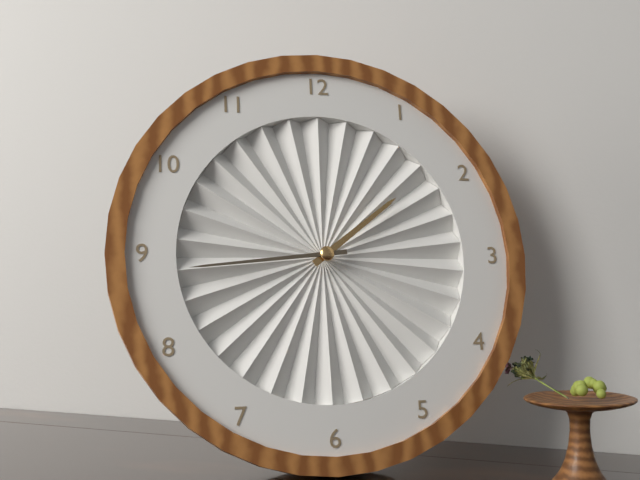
1:44
